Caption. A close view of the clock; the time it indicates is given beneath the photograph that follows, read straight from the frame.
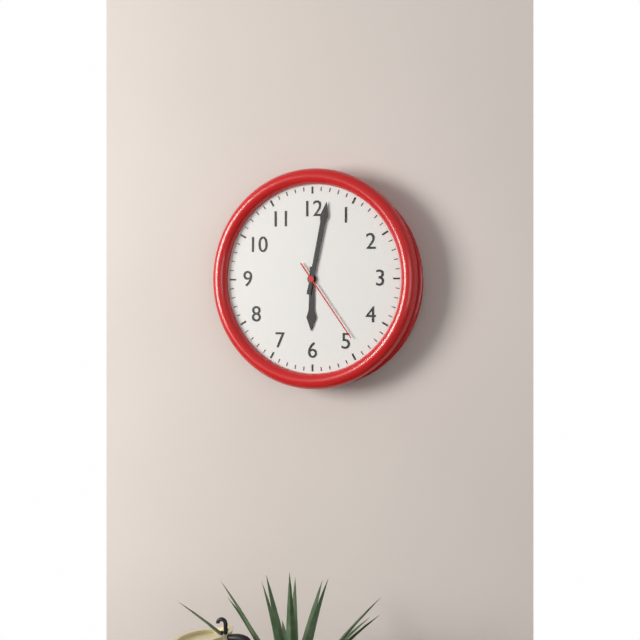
6:02:24
